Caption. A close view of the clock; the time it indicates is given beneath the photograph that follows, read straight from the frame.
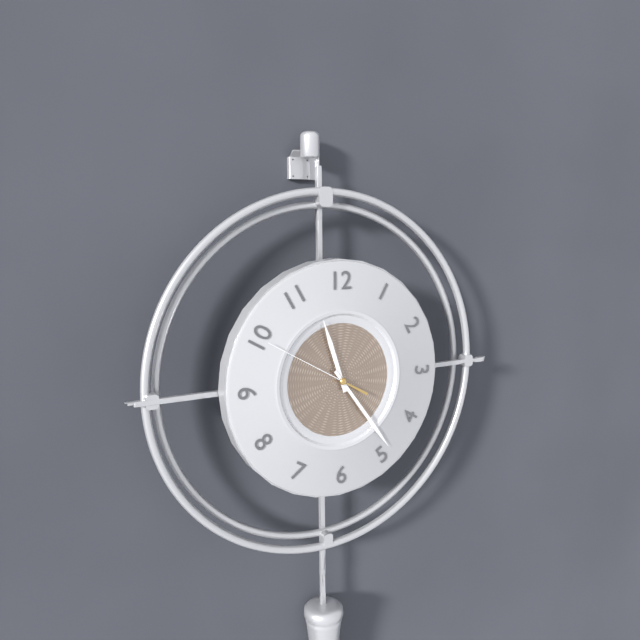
11:24:50
